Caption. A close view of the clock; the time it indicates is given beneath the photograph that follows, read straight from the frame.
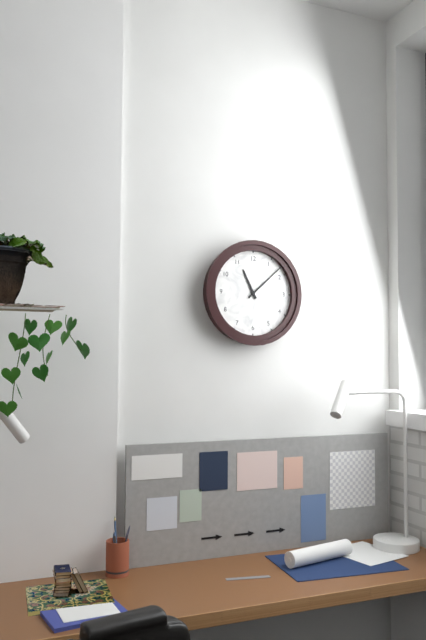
11:08
